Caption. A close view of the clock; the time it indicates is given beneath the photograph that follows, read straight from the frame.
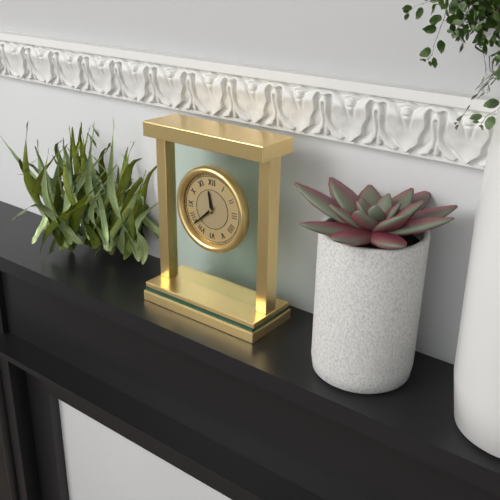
11:38
